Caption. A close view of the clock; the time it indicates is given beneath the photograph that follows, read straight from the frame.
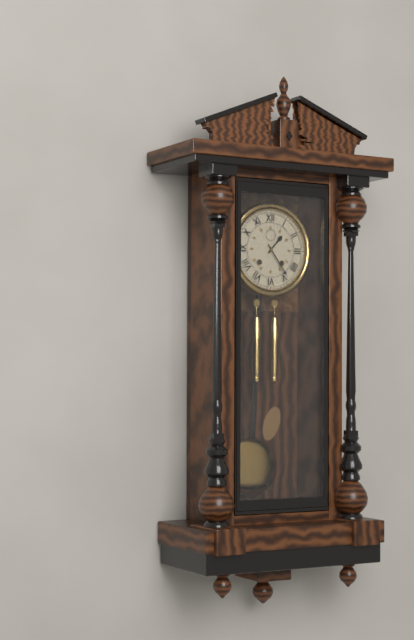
1:24
